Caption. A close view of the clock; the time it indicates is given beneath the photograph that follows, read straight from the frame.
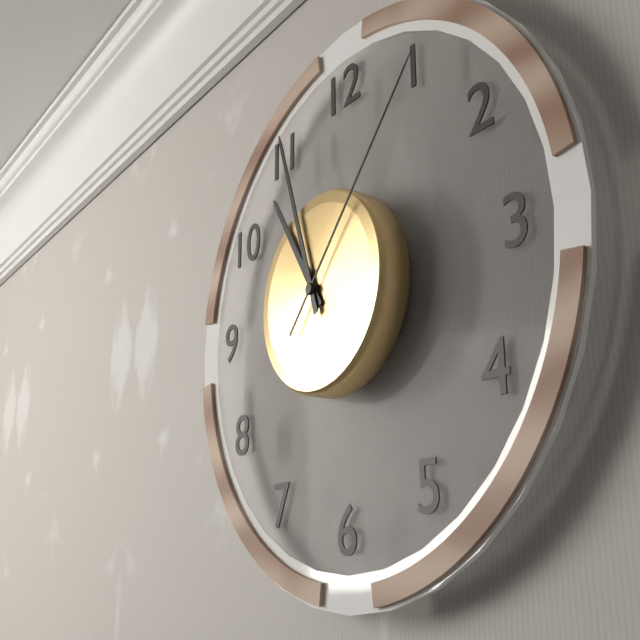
10:57:07
